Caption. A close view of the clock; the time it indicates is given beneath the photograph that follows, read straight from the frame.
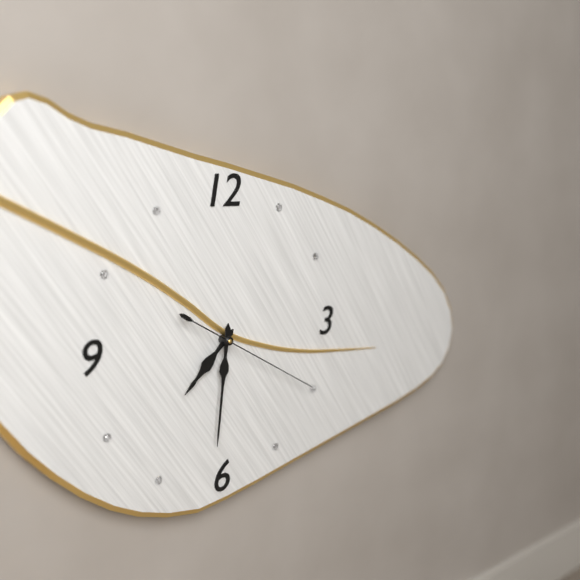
7:31:20
